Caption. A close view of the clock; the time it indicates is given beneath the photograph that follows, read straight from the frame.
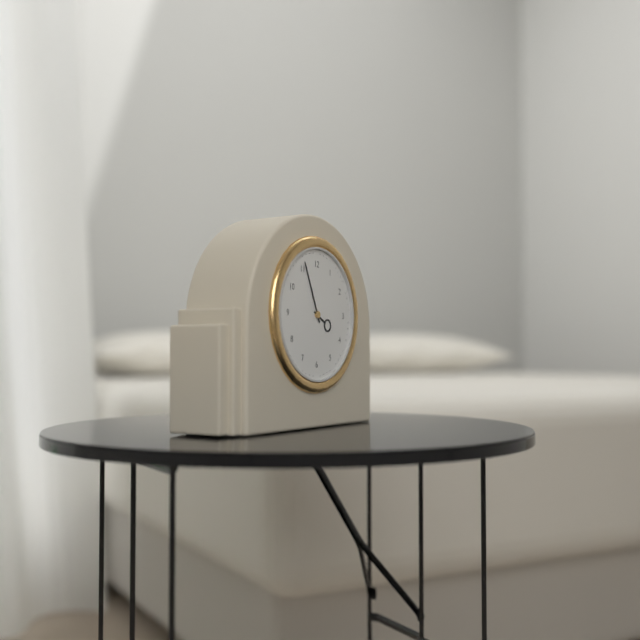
3:56
